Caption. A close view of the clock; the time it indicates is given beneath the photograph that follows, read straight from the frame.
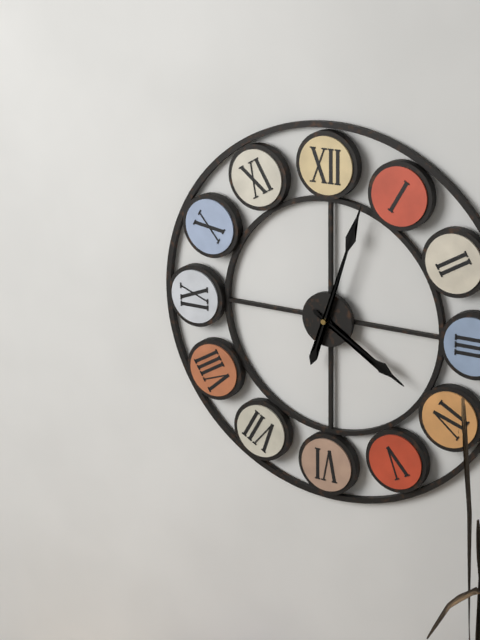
4:03
